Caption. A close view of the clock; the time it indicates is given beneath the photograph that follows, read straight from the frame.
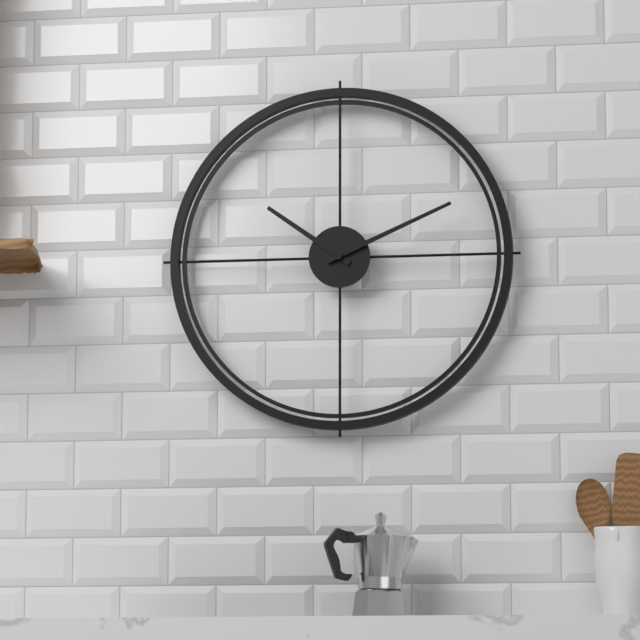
10:11
